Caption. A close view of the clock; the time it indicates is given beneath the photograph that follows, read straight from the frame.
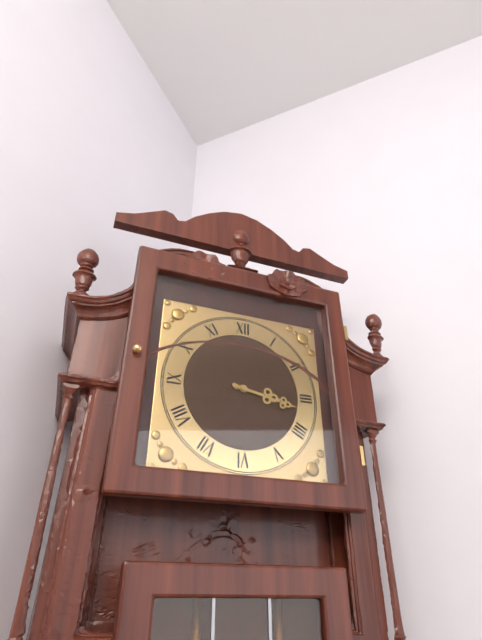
3:17
